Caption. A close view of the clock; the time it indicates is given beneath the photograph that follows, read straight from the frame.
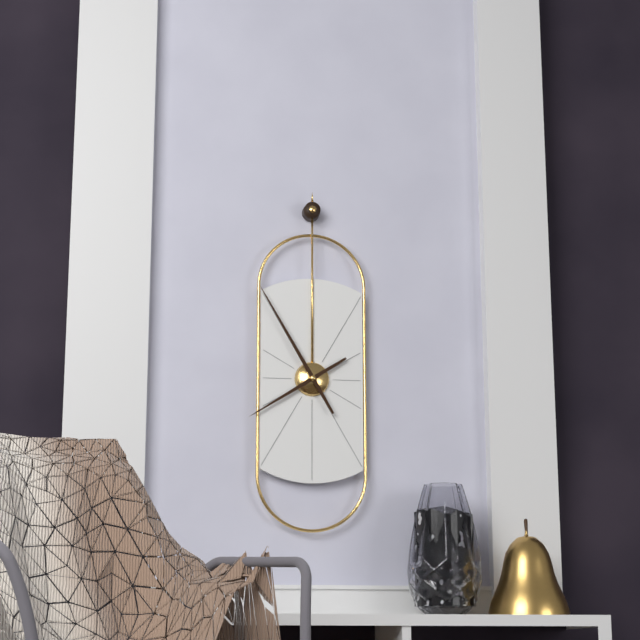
7:55
